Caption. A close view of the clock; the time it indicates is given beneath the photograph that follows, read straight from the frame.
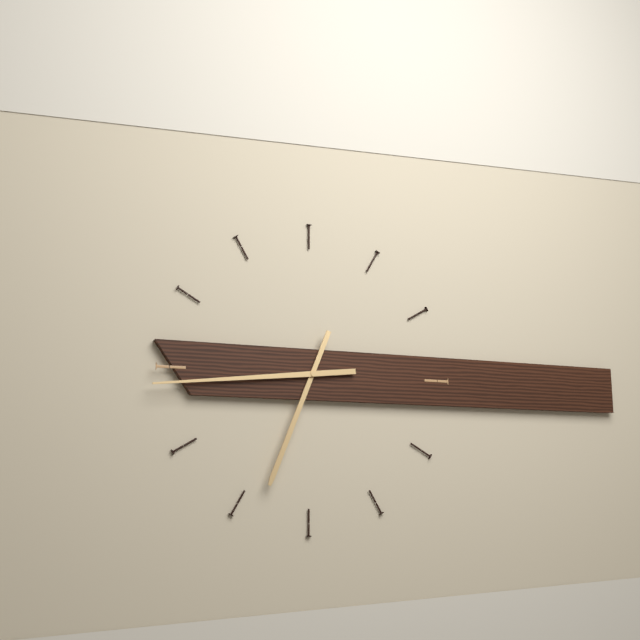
6:44
